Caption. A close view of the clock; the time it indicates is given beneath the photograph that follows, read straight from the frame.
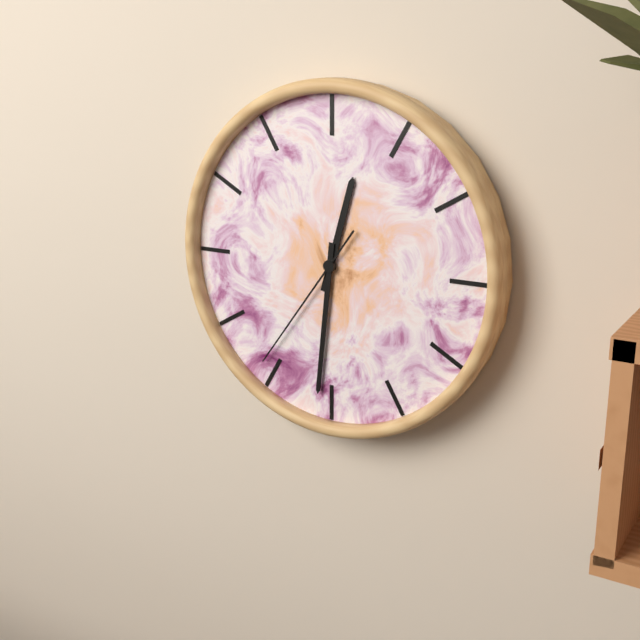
12:31:36
